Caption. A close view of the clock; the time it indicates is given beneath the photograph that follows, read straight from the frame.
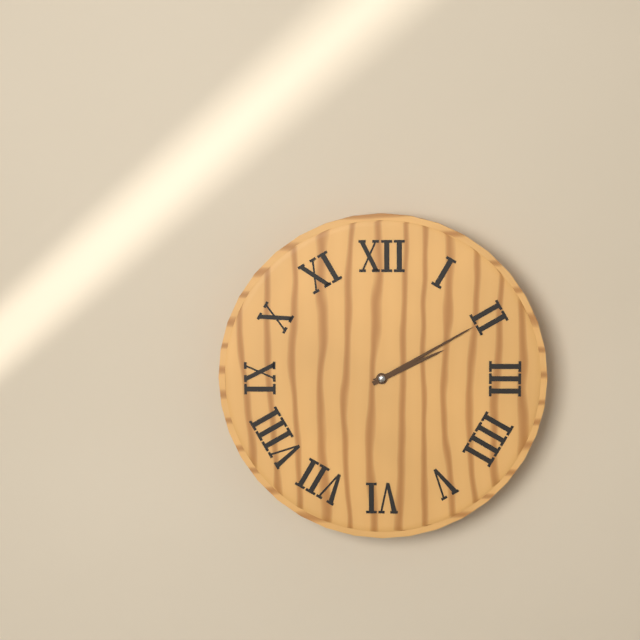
2:10
